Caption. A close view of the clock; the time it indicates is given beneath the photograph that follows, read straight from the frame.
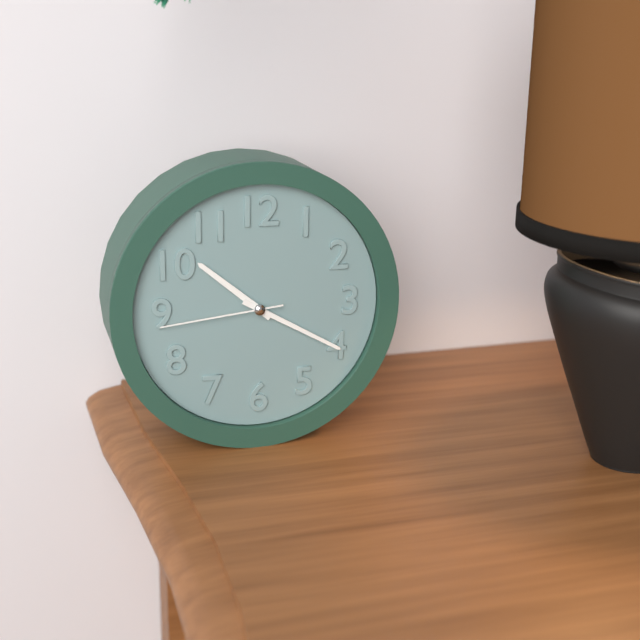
10:20:44
